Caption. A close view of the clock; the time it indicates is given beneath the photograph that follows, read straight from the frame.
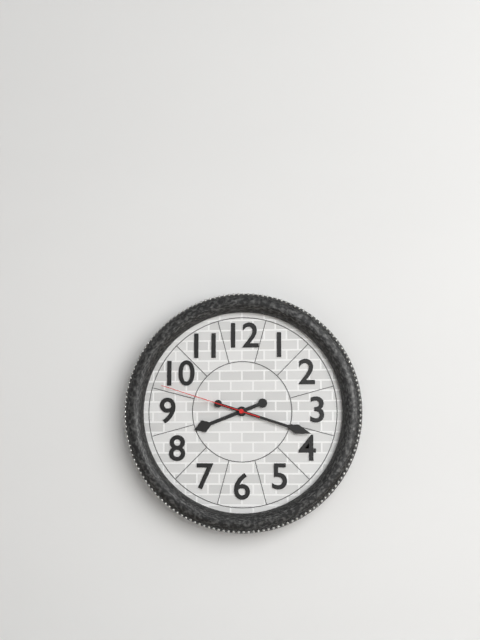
8:18:48
